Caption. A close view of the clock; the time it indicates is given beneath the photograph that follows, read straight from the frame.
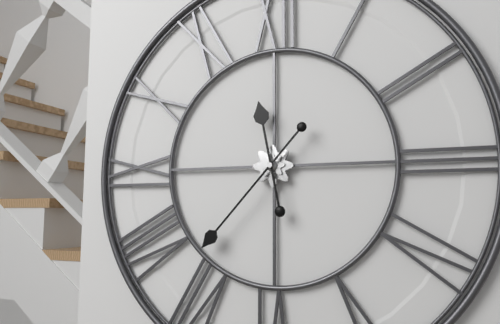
11:37
